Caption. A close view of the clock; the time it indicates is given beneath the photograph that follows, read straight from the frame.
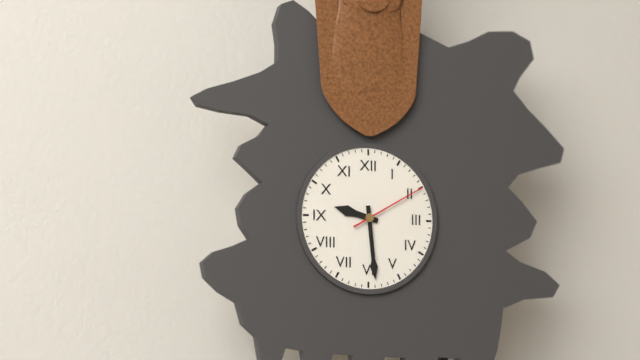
9:29:10
